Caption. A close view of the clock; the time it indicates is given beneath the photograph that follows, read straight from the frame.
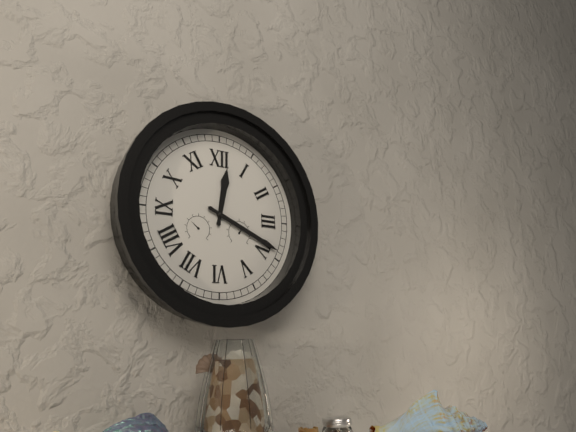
12:19
